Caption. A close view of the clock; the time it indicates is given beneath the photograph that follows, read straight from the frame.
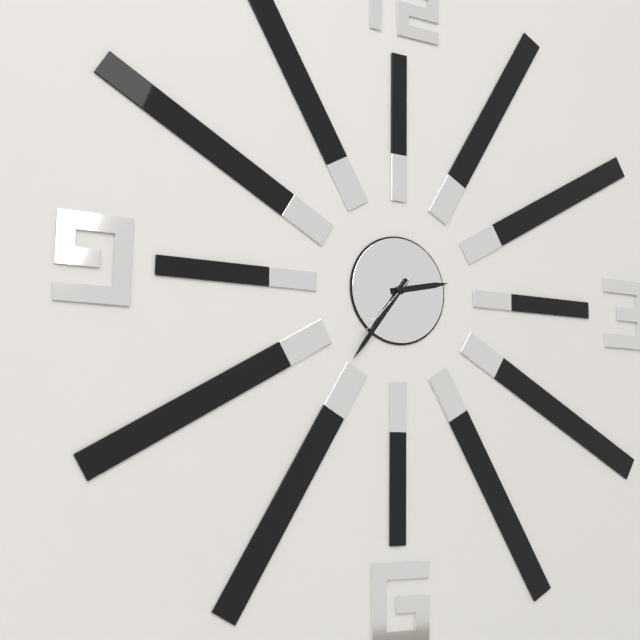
2:36:37
